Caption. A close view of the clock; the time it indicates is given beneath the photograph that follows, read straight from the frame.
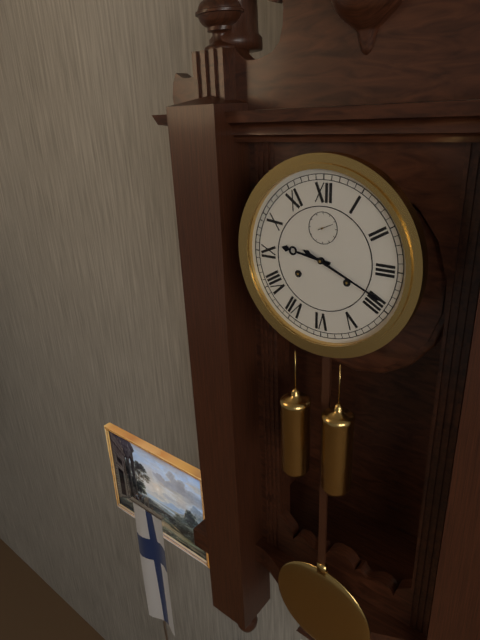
9:19
